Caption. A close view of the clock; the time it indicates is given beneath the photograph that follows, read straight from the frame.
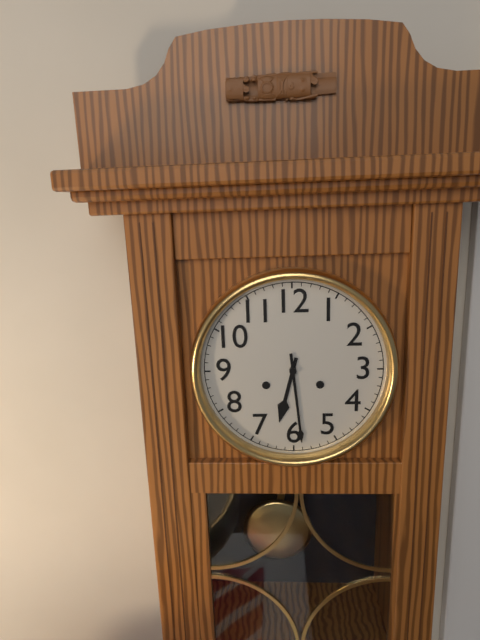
6:29
